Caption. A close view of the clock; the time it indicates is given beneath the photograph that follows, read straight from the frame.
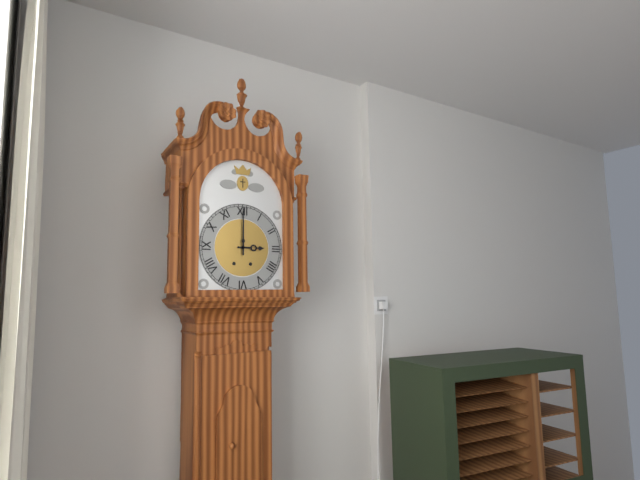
3:00
